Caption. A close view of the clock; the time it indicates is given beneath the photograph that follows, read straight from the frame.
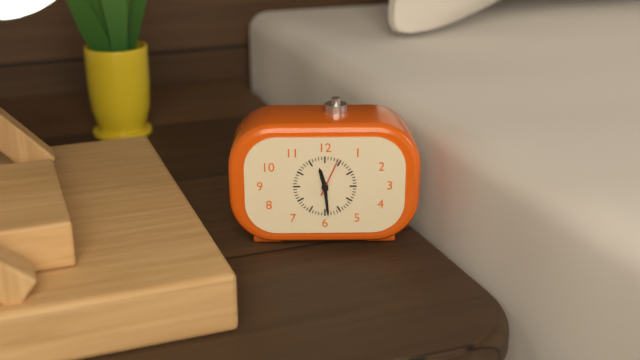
11:29
